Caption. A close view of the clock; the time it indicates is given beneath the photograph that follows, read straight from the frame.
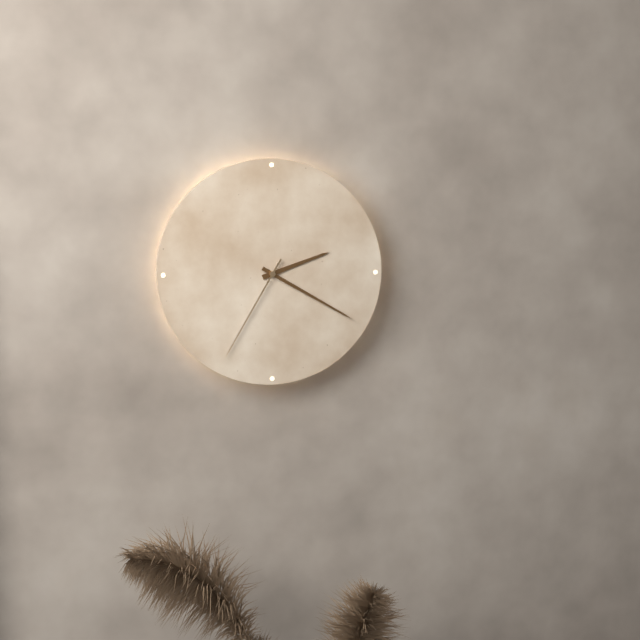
2:20:35
